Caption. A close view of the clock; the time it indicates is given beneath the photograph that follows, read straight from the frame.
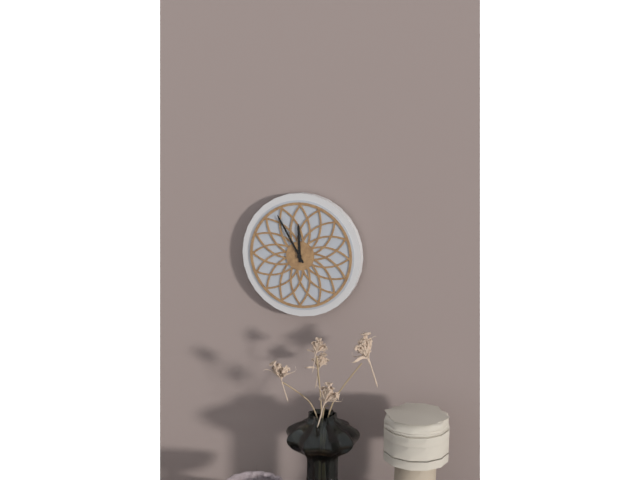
11:55
